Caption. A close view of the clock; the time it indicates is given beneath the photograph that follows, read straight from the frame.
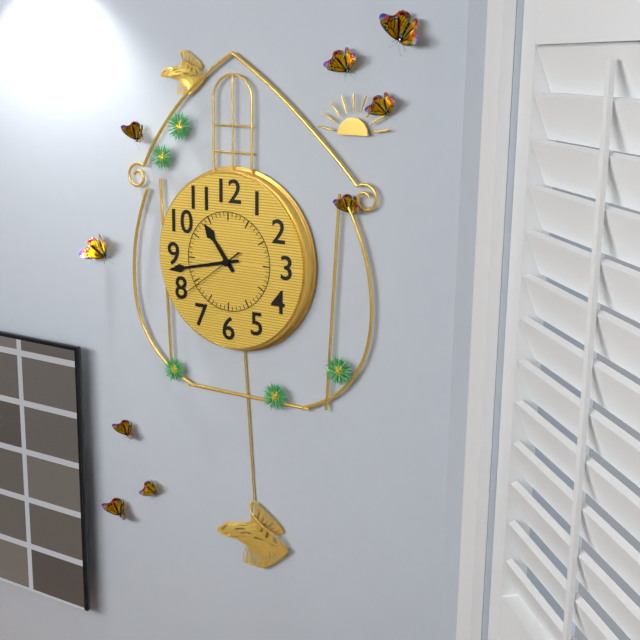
10:43:39
